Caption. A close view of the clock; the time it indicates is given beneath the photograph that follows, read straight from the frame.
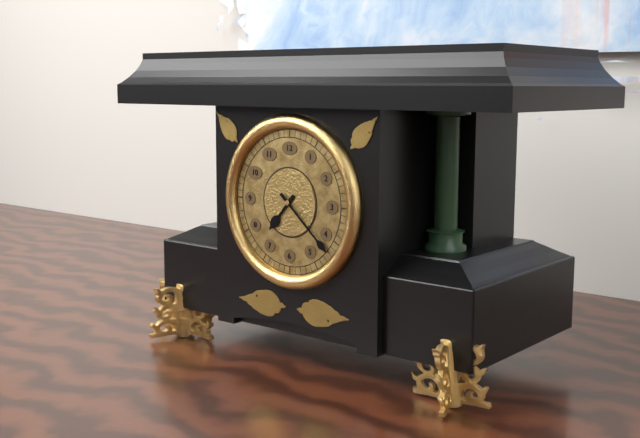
7:22
